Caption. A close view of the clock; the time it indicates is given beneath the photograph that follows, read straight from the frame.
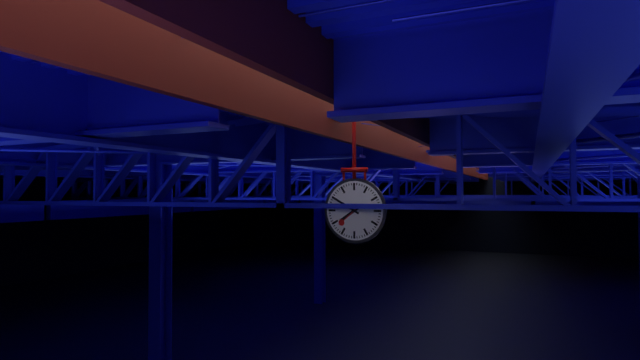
7:50
